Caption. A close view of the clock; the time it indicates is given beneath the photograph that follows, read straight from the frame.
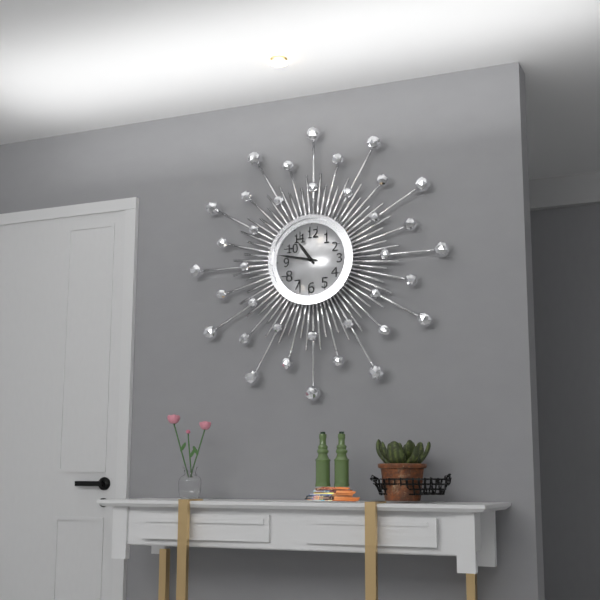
10:47
